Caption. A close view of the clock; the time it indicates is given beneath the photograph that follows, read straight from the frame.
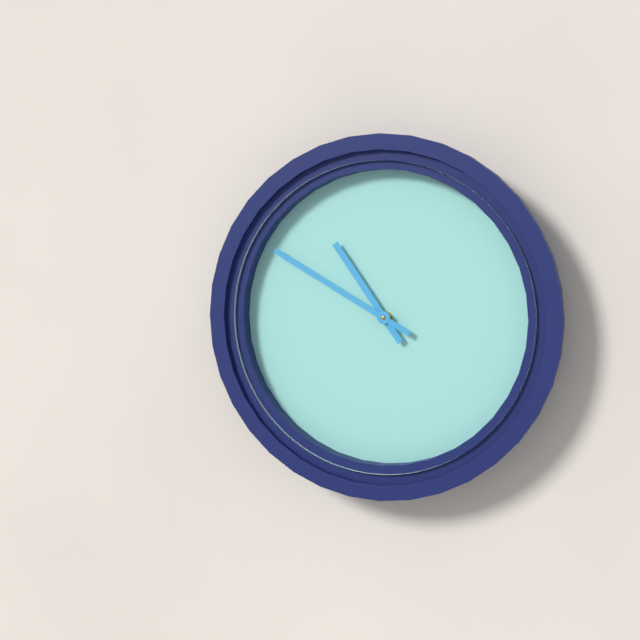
10:50
